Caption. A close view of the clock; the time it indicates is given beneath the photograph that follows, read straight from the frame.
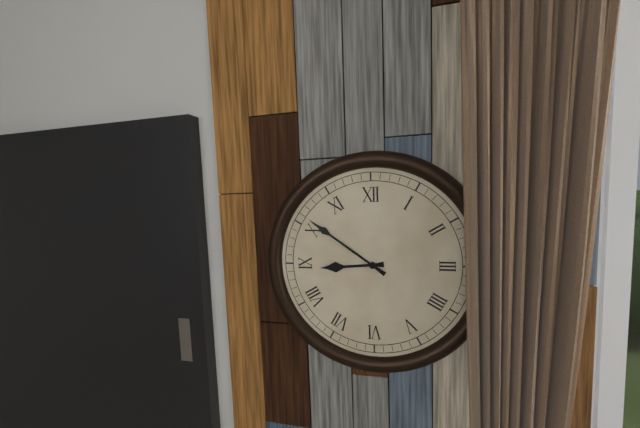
8:51
